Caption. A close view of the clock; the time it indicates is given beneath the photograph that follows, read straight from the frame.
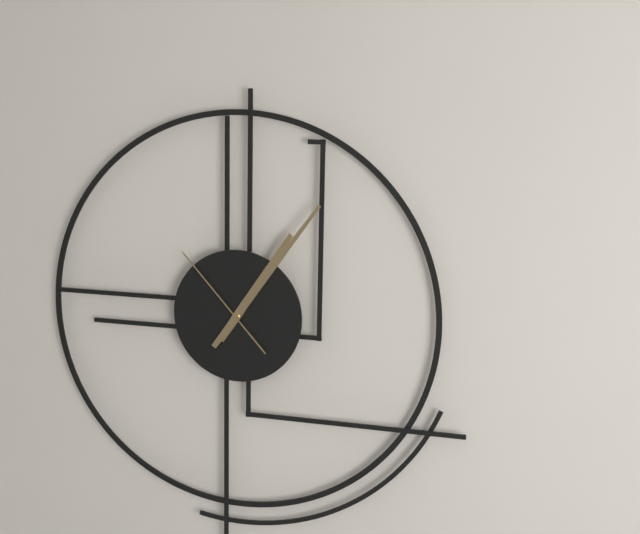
1:06:53
